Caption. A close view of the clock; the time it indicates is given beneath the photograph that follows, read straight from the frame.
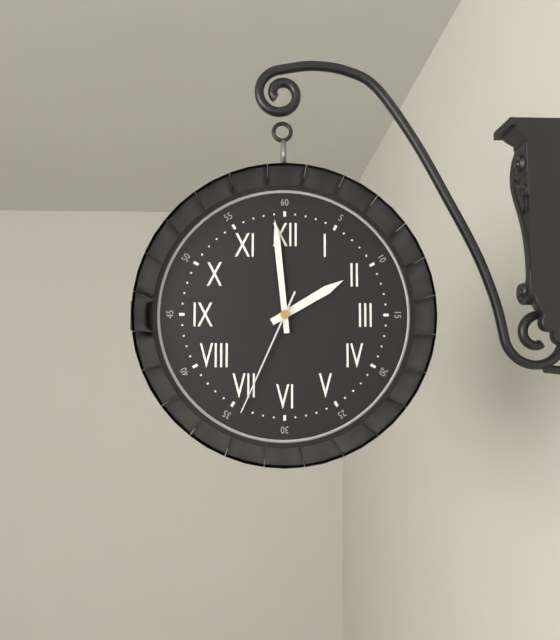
1:59:34
